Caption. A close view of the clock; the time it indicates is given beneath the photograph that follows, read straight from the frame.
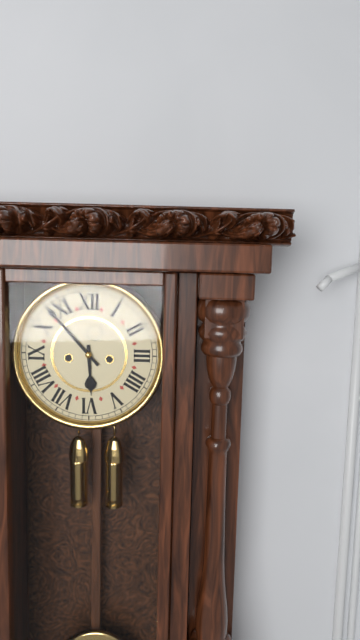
5:53
